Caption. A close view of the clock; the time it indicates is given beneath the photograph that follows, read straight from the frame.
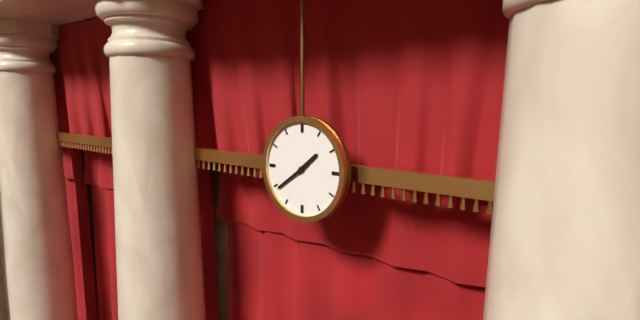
1:39
